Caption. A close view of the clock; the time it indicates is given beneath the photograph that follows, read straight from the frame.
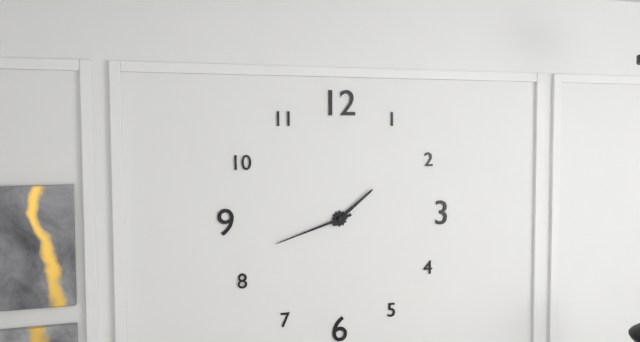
1:42
